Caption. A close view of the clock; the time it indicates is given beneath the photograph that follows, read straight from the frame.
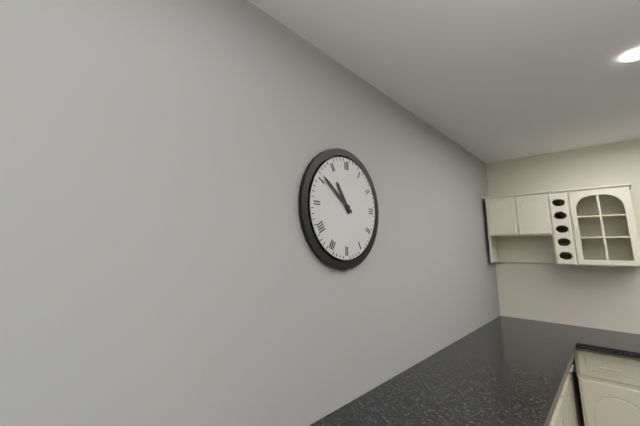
10:51
